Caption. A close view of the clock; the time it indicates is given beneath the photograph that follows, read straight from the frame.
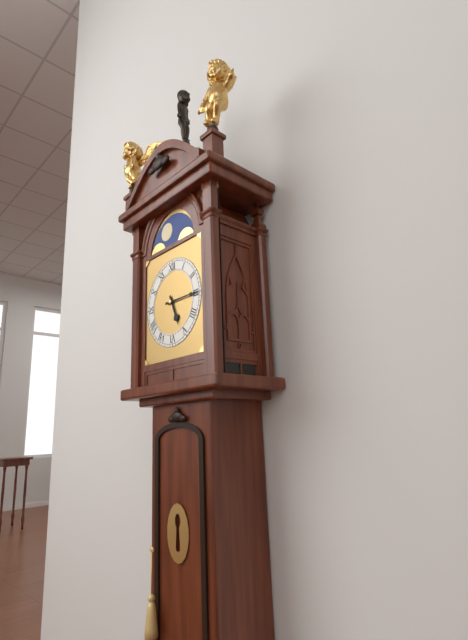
5:15
